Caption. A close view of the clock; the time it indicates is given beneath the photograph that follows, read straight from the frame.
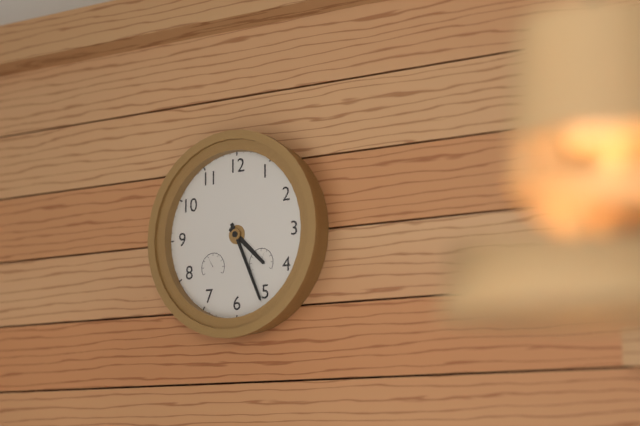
4:26
